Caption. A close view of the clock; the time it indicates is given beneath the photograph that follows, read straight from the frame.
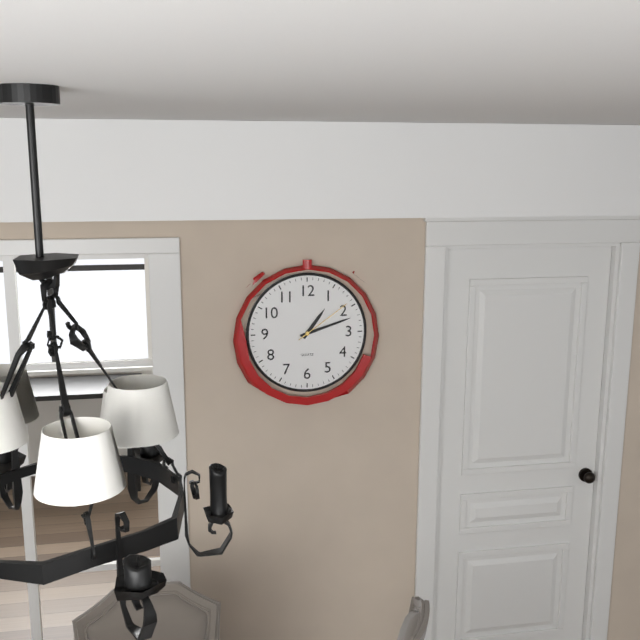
1:12:09
